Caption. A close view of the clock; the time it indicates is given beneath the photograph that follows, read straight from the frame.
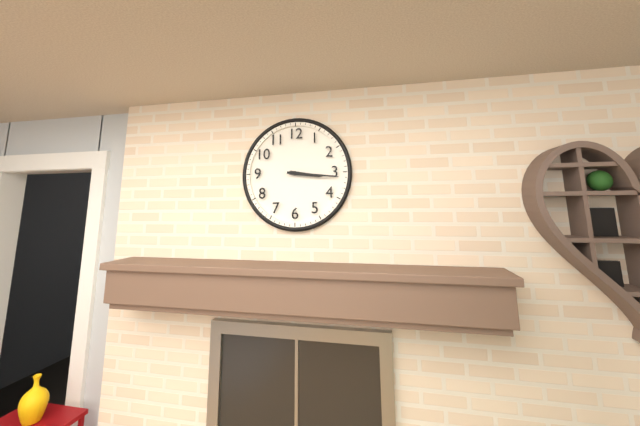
3:16
